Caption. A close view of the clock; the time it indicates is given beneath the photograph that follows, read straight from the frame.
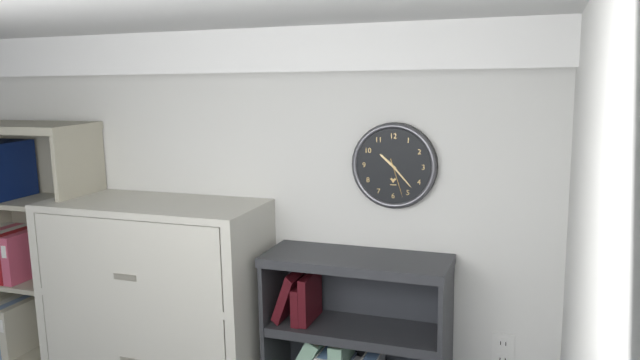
10:23
